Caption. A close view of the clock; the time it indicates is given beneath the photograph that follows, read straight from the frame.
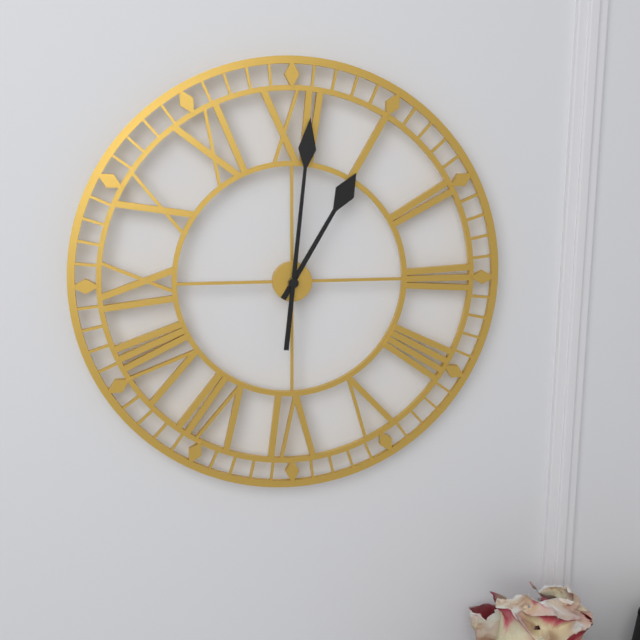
1:01
